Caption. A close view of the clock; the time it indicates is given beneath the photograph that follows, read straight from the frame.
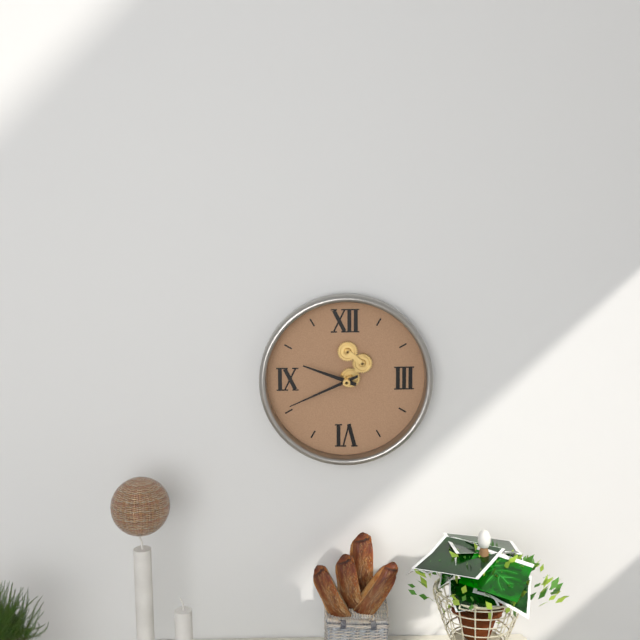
9:41
